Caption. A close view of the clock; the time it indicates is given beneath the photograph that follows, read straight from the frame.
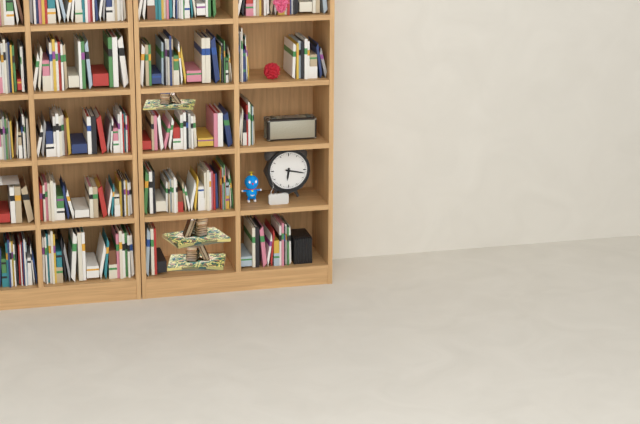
6:17
